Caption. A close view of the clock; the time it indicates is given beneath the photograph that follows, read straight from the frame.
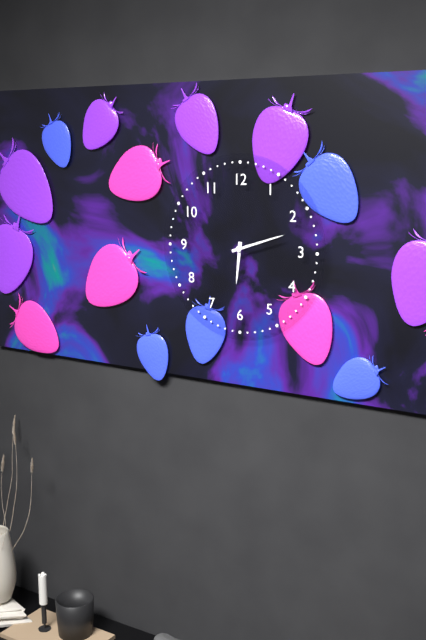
6:12
